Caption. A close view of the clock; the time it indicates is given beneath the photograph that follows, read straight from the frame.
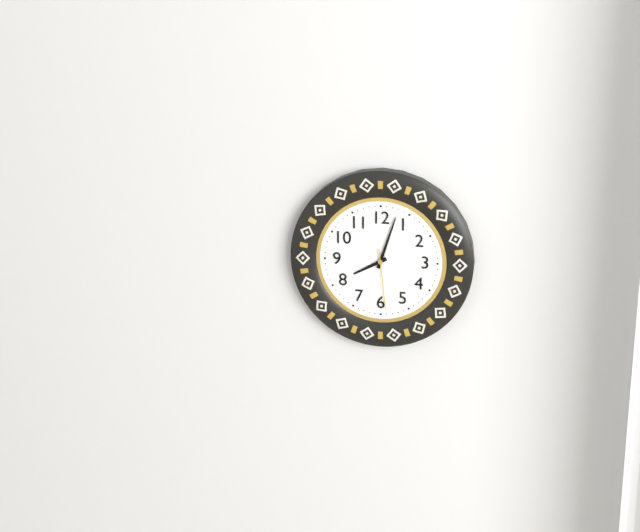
8:03:29
